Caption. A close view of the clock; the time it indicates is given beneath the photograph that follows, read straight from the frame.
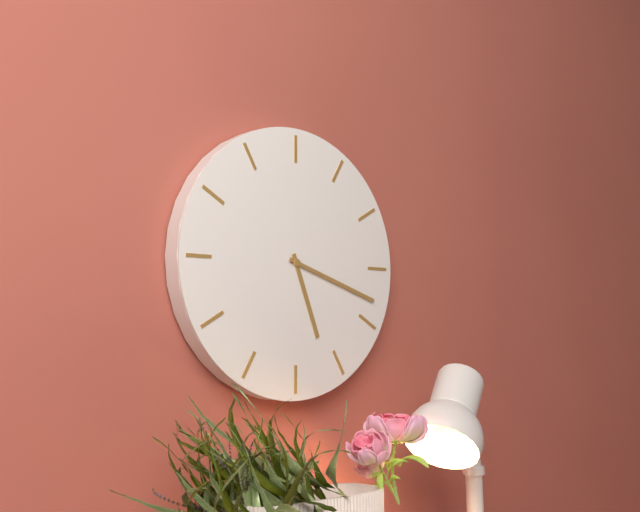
5:18
